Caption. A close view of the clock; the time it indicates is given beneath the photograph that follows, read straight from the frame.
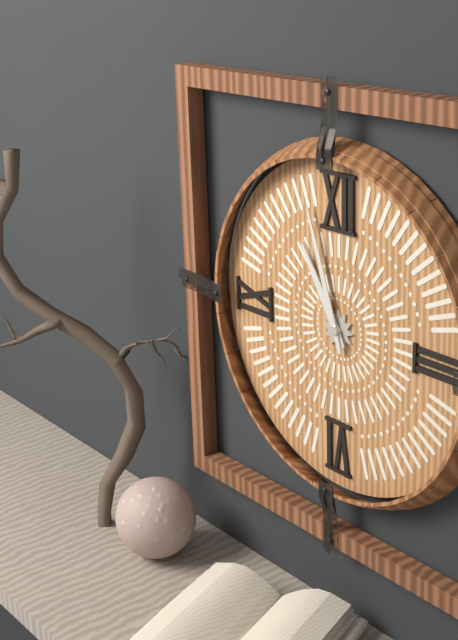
10:57
